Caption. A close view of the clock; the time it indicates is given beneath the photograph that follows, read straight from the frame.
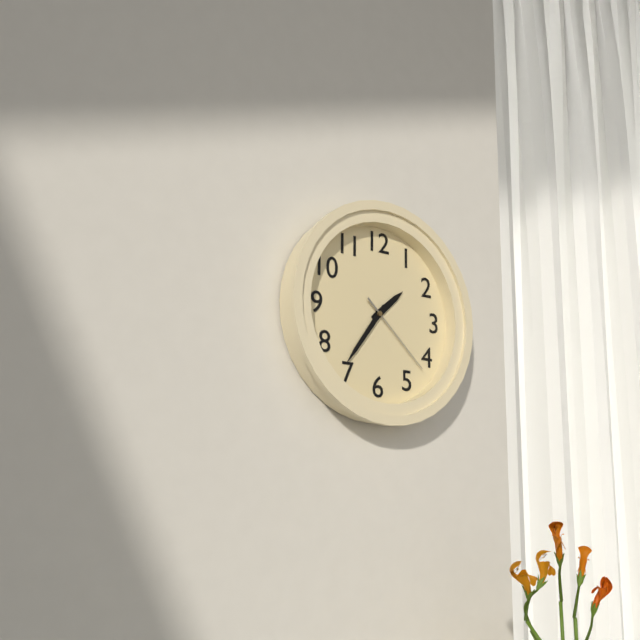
1:36:22
